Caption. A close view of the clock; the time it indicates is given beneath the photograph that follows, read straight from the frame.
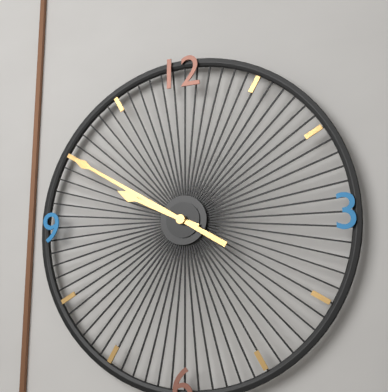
9:50
